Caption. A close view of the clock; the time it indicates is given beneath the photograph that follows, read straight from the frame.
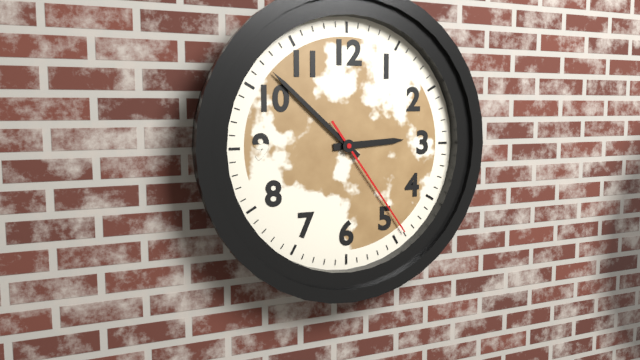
2:52:24
